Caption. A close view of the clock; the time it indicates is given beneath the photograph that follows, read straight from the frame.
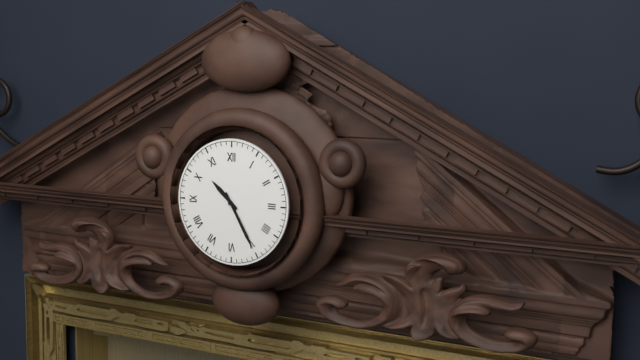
10:25
